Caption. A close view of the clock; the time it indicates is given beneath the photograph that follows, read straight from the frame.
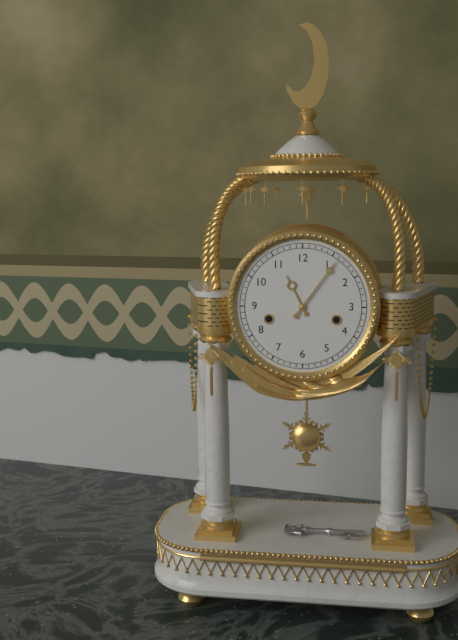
11:06
